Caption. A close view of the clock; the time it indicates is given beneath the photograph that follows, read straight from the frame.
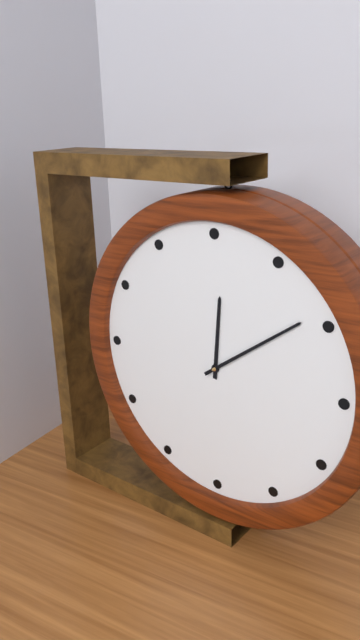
12:09
